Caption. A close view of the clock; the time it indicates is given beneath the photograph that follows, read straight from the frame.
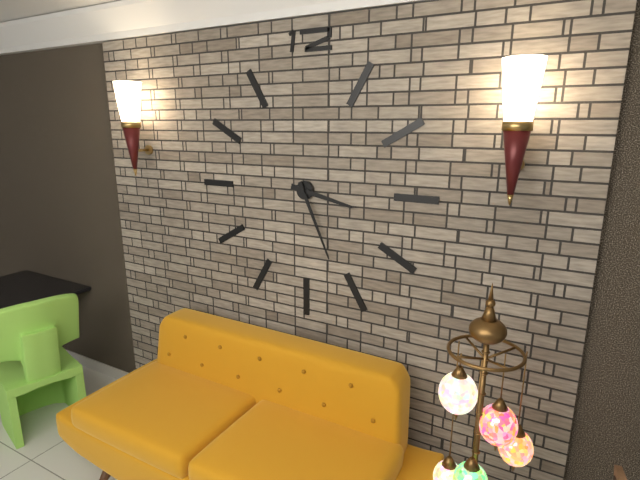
3:26
